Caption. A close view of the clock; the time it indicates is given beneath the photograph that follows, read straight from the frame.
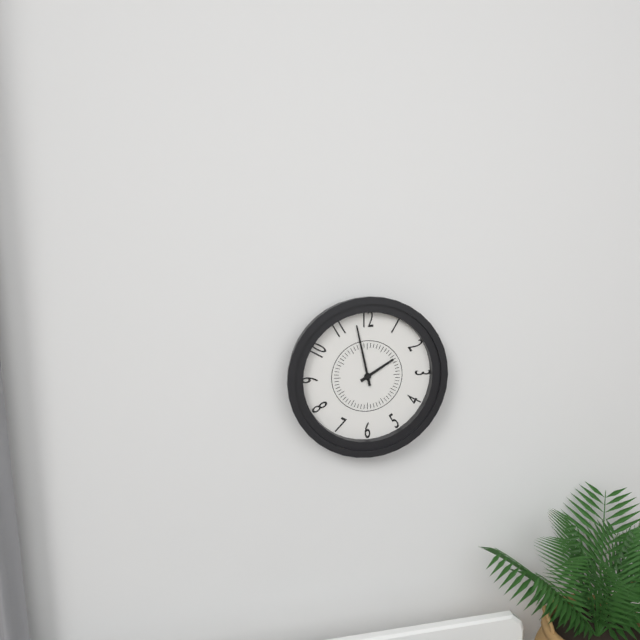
1:58
